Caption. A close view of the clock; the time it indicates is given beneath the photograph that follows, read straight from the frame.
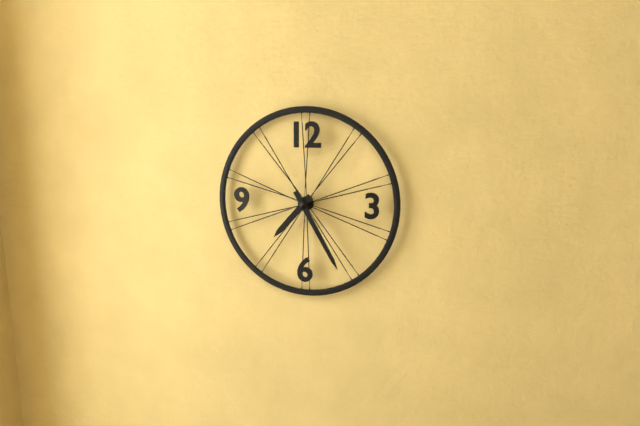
7:25
